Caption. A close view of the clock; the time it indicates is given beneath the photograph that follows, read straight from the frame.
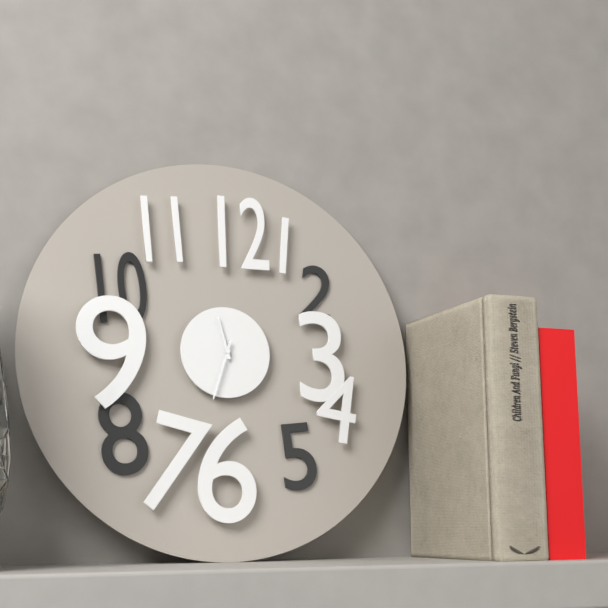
11:33
